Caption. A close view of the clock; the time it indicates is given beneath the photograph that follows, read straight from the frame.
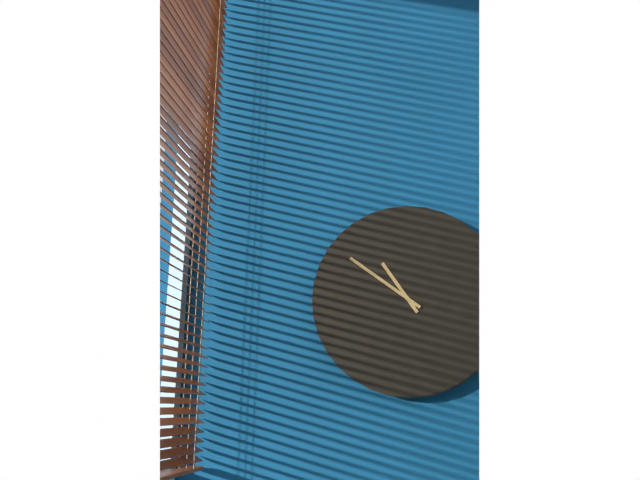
10:51
